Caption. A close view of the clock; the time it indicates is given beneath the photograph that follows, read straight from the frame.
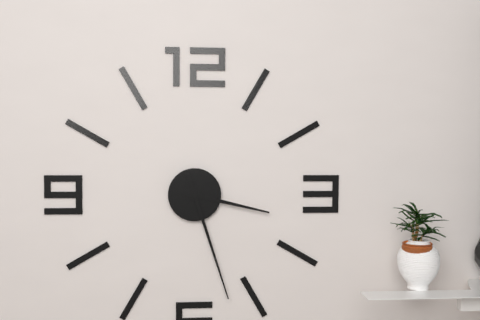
3:27
